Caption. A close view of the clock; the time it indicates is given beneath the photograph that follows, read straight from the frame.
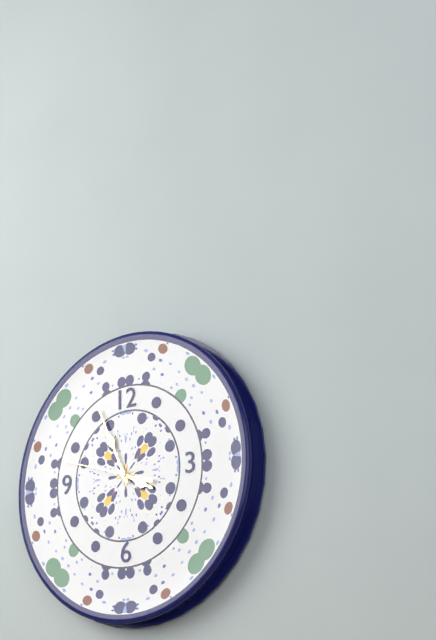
3:56:48
